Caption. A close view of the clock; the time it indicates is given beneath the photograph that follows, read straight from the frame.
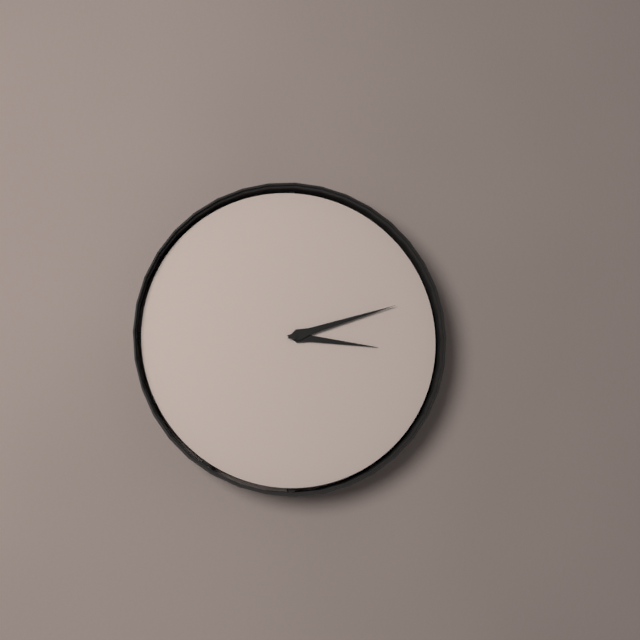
3:12
